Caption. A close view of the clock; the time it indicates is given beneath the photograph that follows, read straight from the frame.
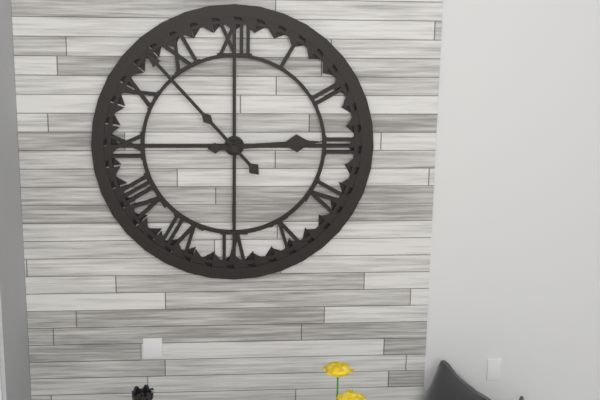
2:53
